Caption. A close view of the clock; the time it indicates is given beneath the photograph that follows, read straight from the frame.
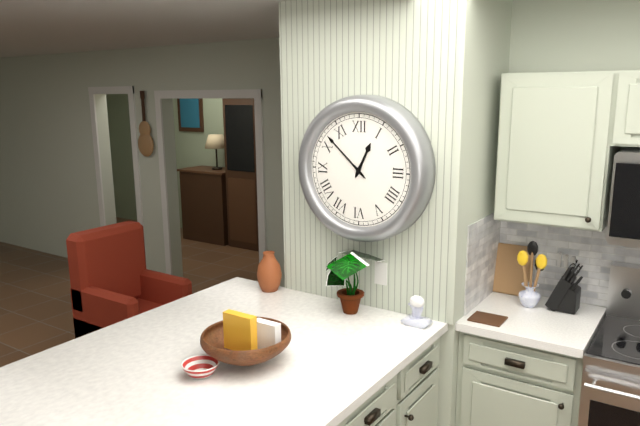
12:52
